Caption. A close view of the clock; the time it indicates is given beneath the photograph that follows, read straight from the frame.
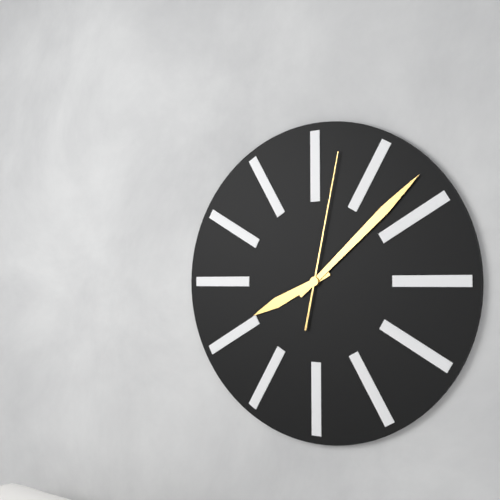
8:08:02
